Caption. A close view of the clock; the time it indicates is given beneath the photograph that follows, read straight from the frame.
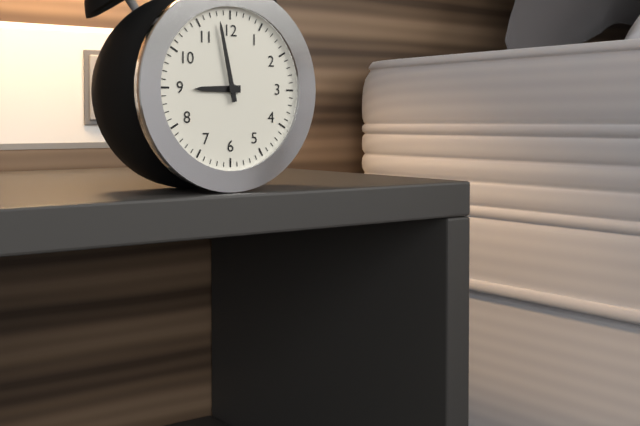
8:58
